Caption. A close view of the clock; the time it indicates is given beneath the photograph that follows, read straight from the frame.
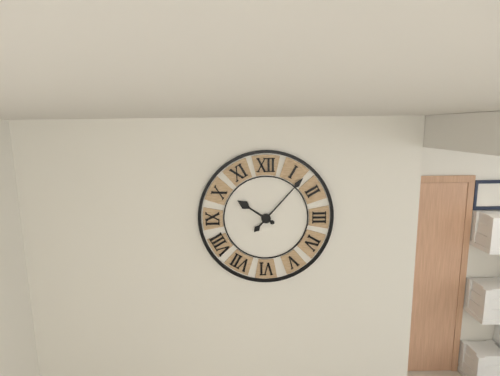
10:07
